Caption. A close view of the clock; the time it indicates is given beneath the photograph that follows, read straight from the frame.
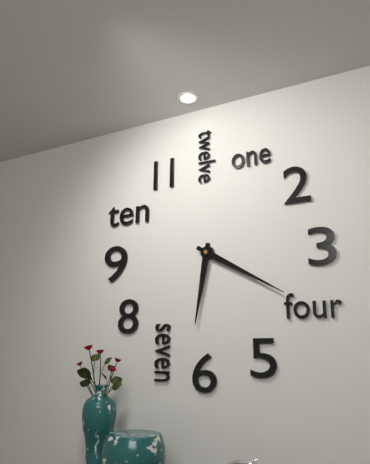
6:20
